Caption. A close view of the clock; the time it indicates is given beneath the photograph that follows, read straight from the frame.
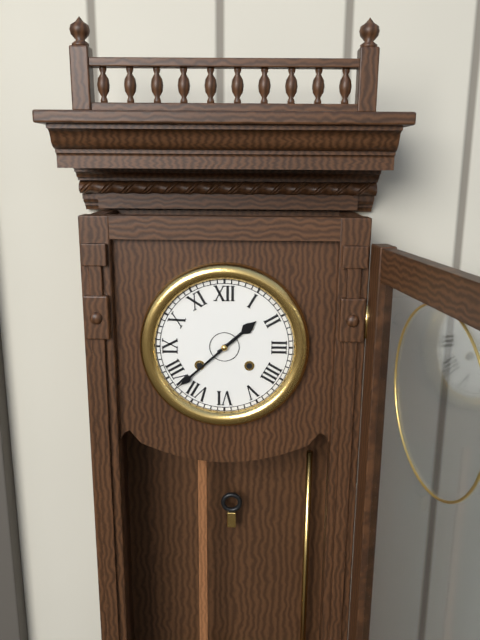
1:38
